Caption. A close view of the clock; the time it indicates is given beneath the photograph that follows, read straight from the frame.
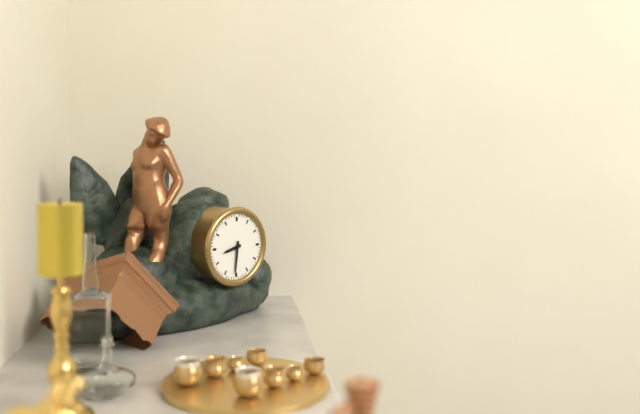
8:31
